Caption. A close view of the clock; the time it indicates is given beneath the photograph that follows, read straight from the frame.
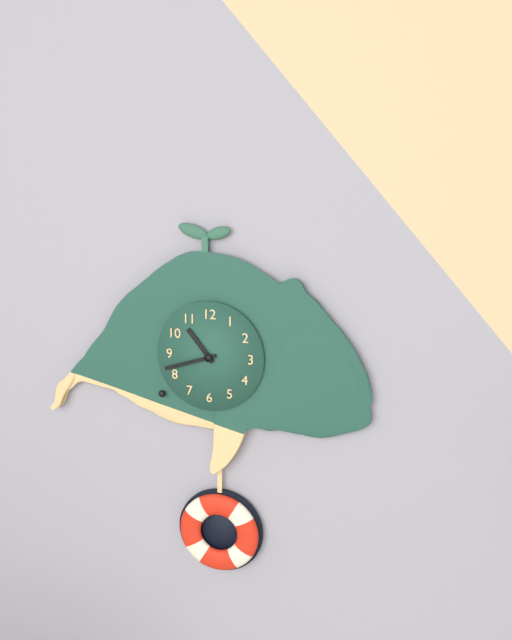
10:42
